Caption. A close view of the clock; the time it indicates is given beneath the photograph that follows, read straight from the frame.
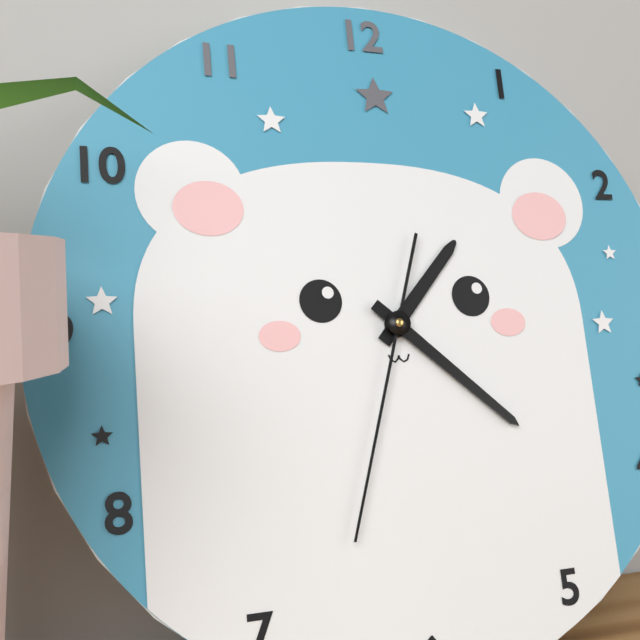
1:22:33
